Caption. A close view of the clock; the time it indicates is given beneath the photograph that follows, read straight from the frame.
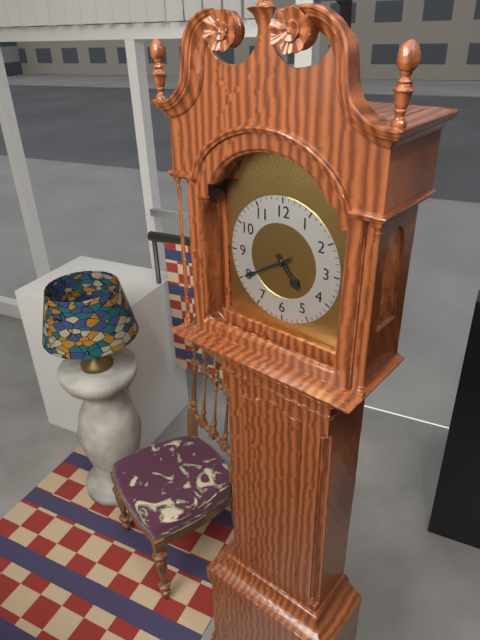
4:40
